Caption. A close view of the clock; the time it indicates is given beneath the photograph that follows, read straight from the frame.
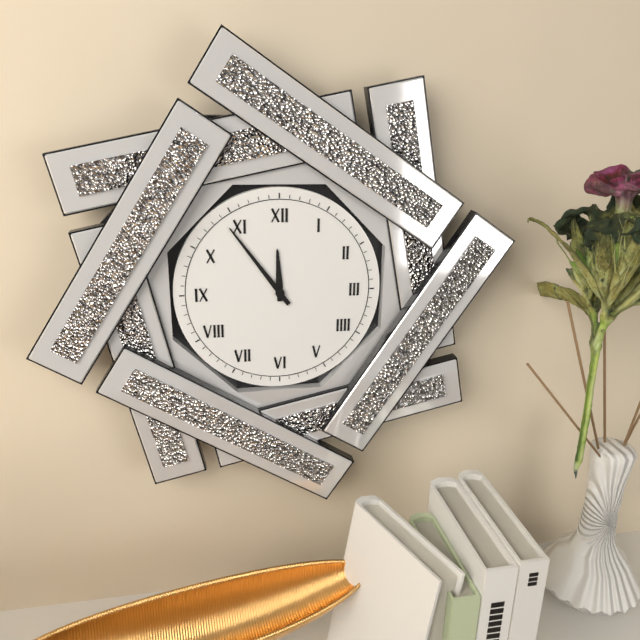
11:54
